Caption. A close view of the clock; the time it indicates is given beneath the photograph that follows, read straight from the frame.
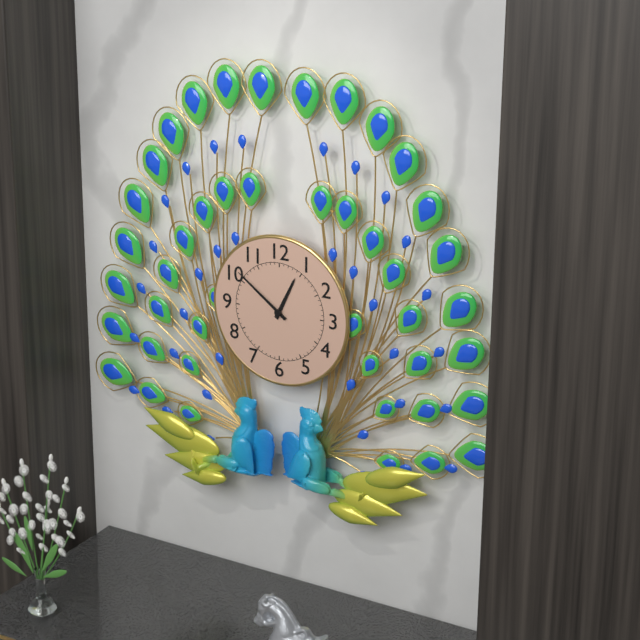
12:51
